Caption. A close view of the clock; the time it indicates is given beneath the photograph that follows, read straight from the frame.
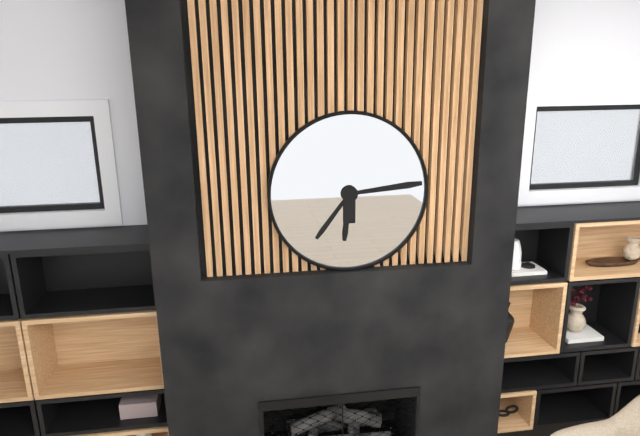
7:14:31
